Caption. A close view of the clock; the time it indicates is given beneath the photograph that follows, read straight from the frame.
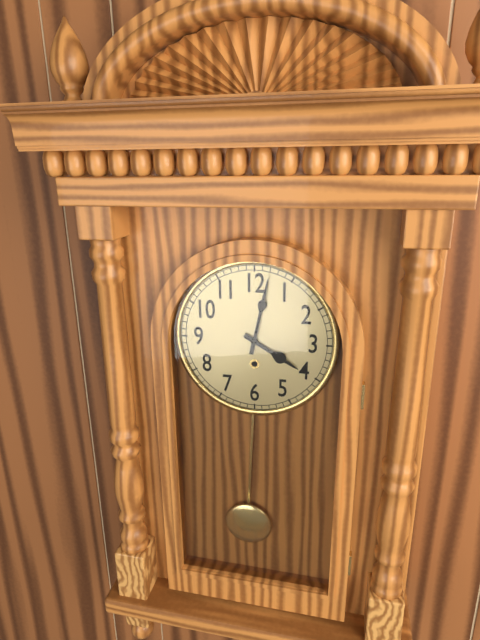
4:02
